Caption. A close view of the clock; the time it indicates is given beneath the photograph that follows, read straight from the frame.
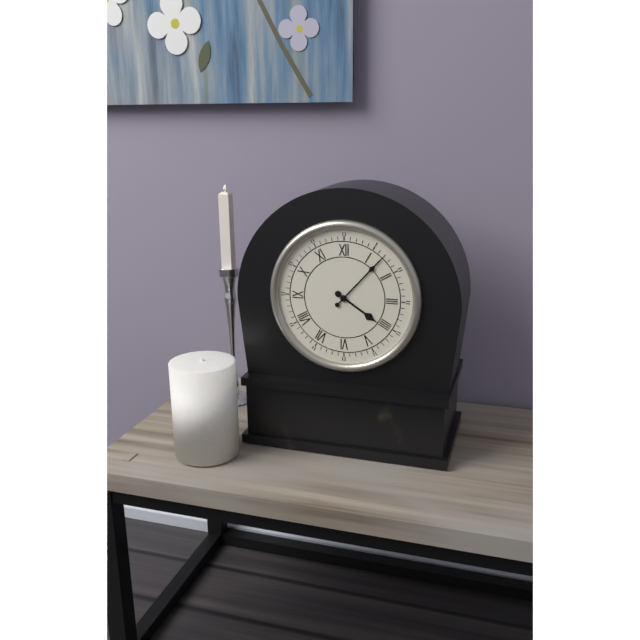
4:07
